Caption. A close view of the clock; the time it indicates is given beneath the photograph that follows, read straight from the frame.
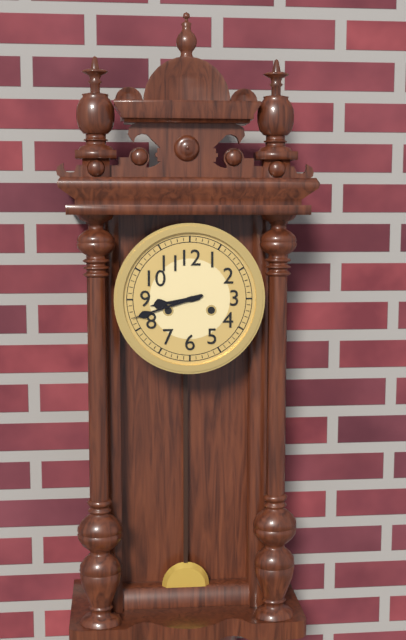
8:42
